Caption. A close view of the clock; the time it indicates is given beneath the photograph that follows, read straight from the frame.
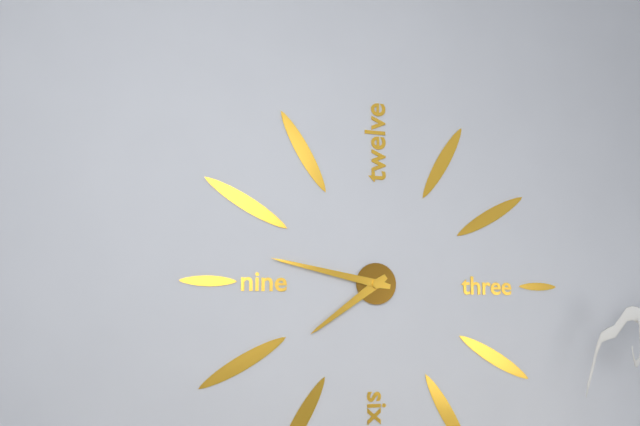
7:47
